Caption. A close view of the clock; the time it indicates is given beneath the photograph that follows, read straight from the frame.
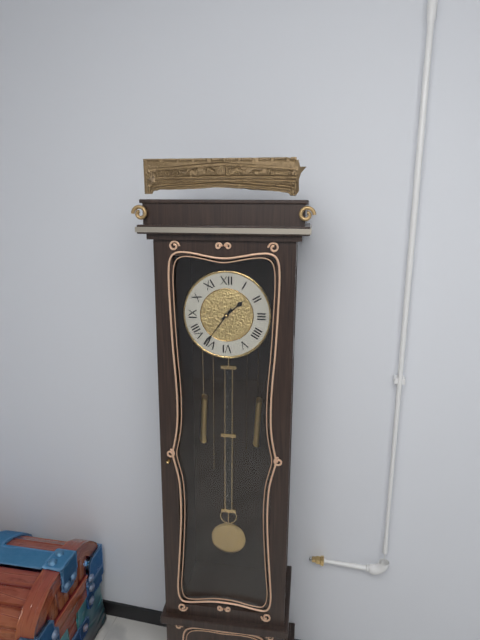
1:36
